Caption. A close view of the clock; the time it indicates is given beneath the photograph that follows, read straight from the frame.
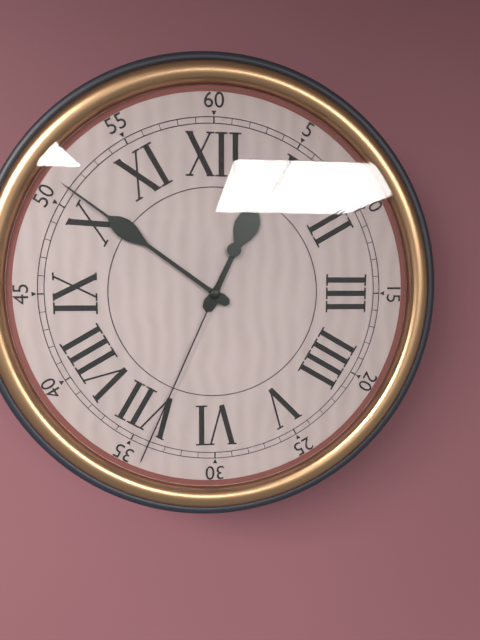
12:51:34
